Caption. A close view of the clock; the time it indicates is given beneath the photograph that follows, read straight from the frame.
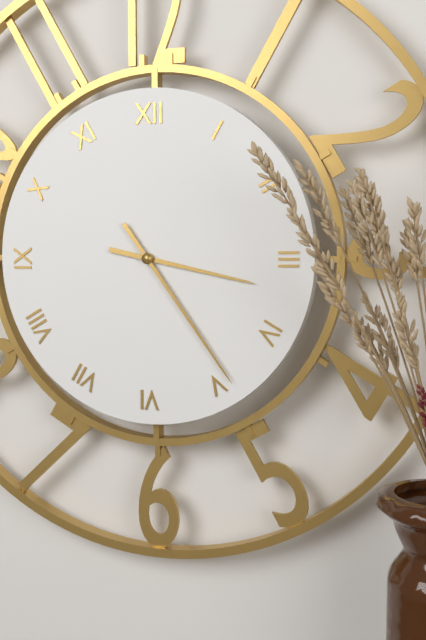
3:24
